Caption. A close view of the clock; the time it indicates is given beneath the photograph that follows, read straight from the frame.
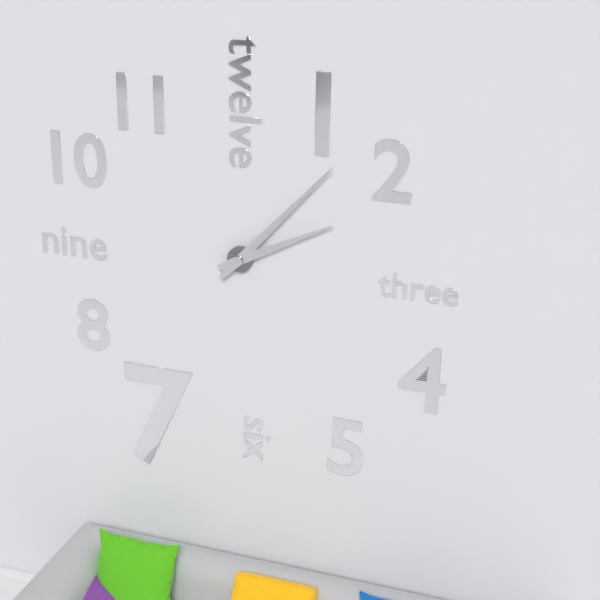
2:07
